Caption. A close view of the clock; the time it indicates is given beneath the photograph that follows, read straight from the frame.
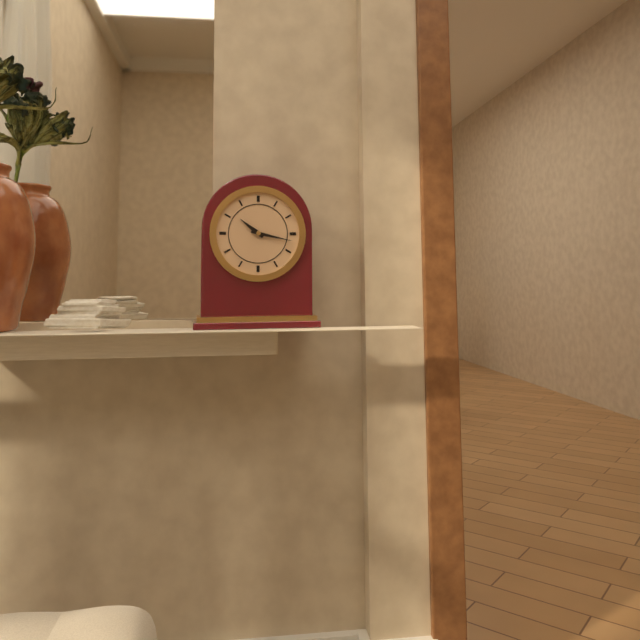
10:17
